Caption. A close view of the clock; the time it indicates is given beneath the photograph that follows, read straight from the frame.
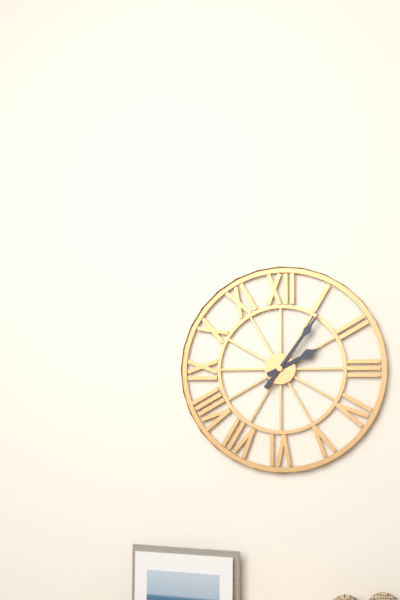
2:06
